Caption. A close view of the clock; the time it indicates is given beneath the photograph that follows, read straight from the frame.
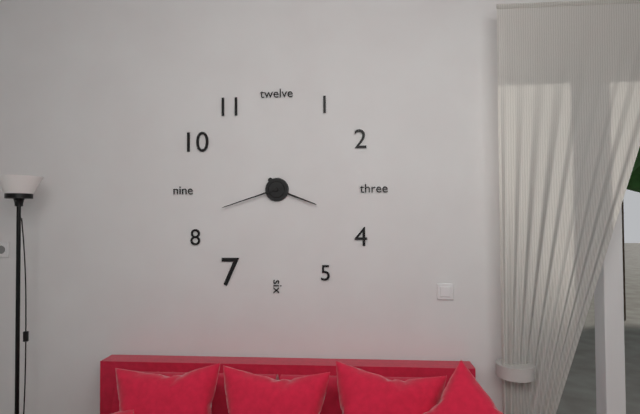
3:42
